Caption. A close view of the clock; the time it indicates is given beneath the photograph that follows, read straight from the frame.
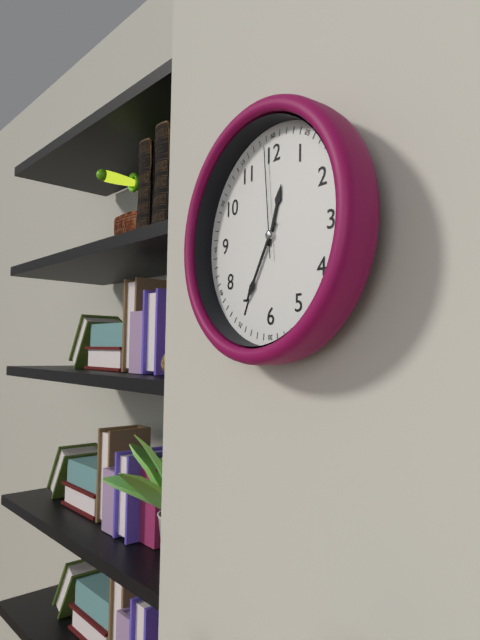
12:35:59
